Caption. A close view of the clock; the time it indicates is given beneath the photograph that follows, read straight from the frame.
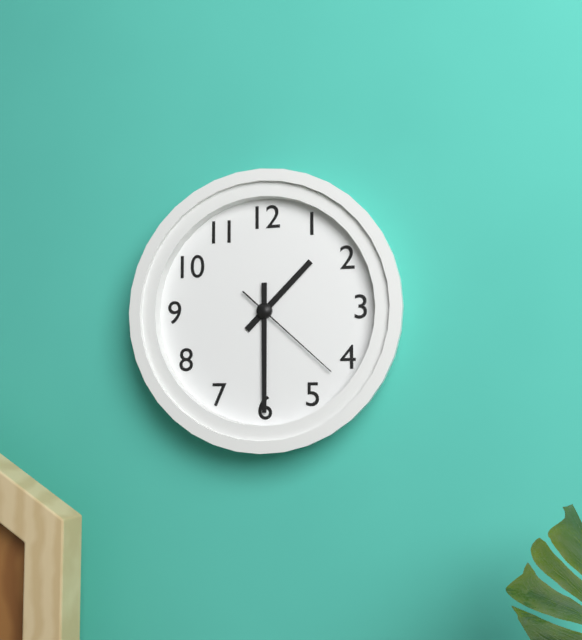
1:30:22
